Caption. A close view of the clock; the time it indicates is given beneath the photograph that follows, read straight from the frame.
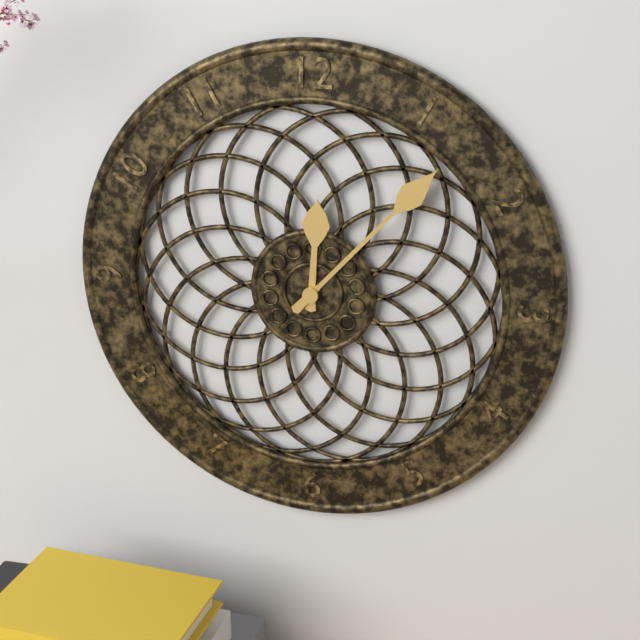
12:07
